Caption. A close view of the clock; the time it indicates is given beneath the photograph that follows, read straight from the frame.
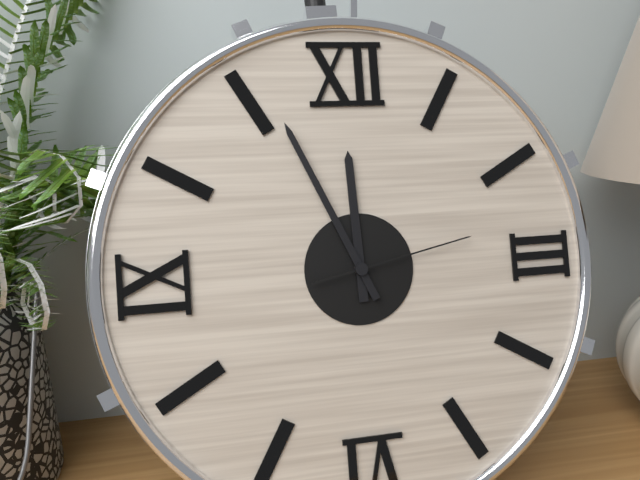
11:56:13
